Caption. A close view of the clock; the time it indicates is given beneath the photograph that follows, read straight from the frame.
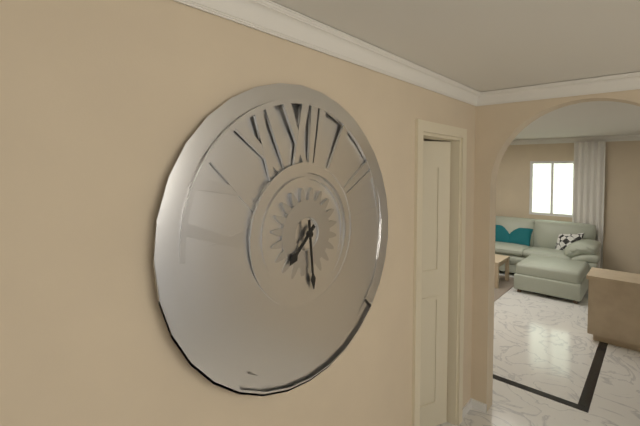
7:29
